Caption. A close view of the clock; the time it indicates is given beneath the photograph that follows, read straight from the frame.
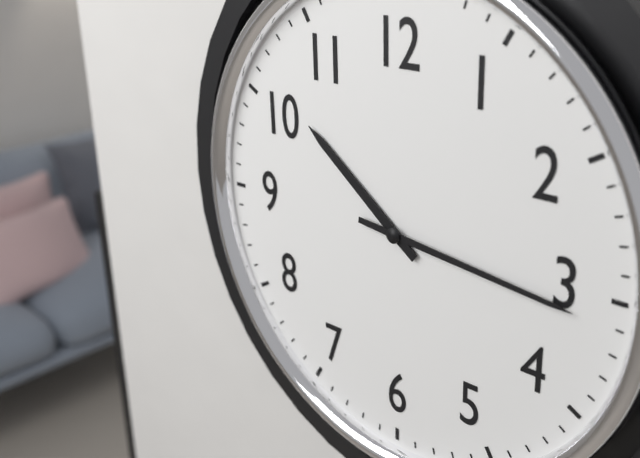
10:16
